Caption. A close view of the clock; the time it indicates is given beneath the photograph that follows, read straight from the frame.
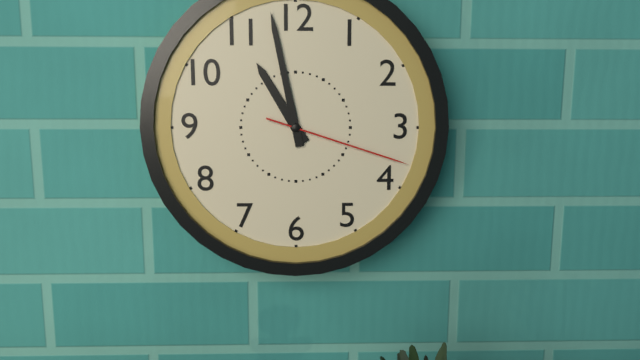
10:58:18
